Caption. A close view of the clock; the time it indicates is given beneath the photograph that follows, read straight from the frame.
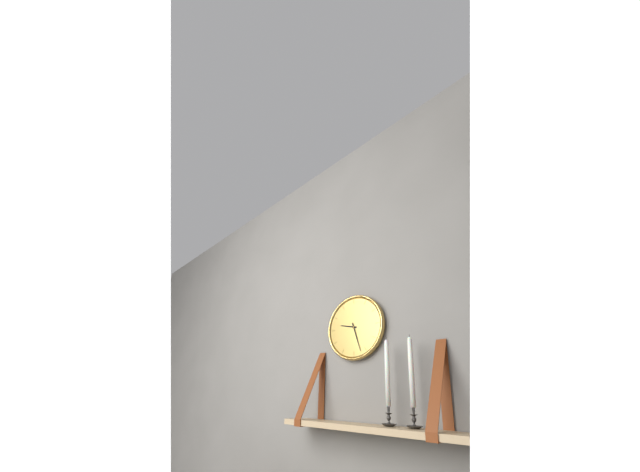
9:27
